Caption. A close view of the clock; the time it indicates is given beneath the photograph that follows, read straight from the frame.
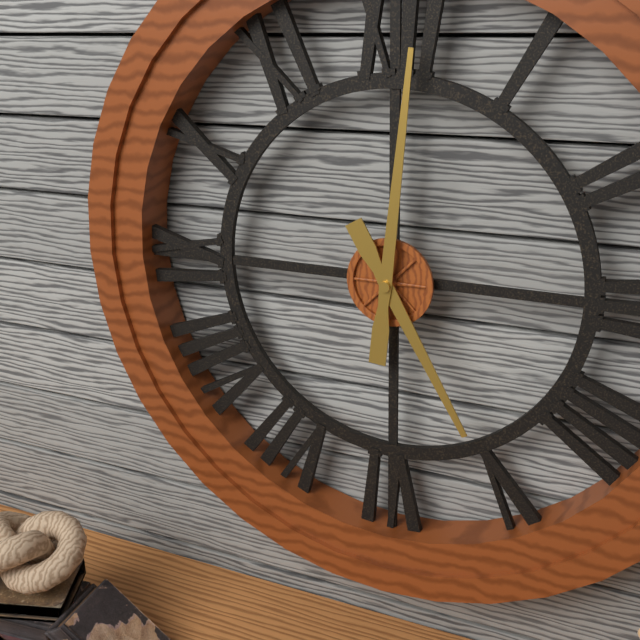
5:01
